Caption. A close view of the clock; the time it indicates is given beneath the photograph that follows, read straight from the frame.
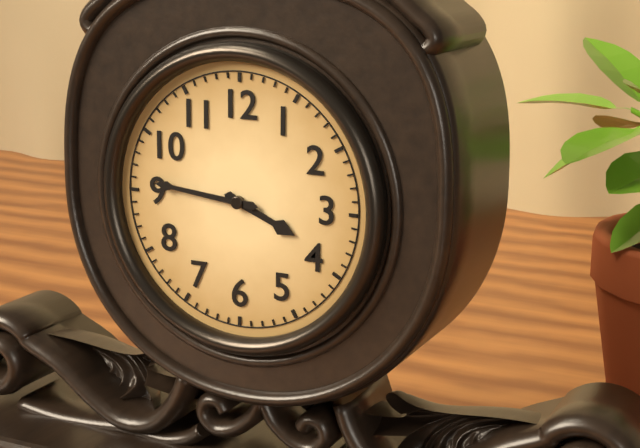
3:46
